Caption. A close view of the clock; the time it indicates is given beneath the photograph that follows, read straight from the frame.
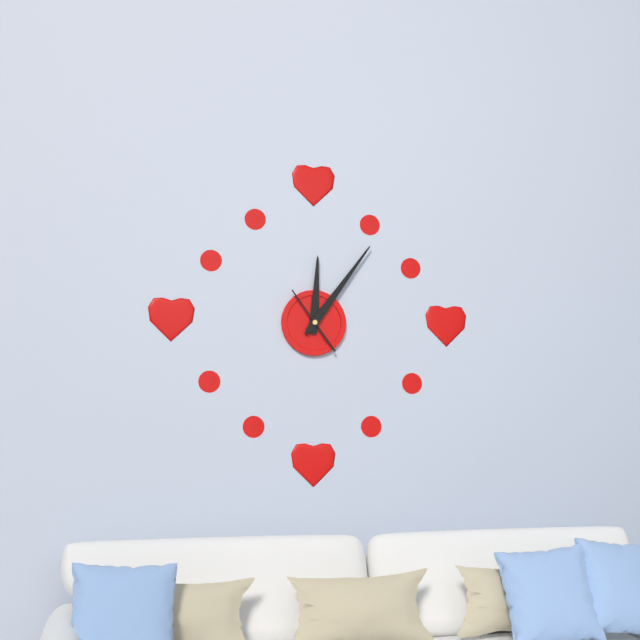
12:06
